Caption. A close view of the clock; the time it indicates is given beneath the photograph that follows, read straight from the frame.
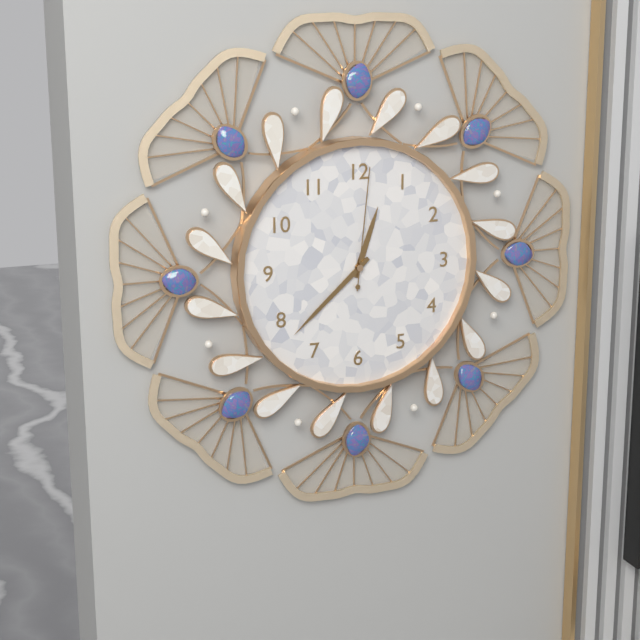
12:38:01
